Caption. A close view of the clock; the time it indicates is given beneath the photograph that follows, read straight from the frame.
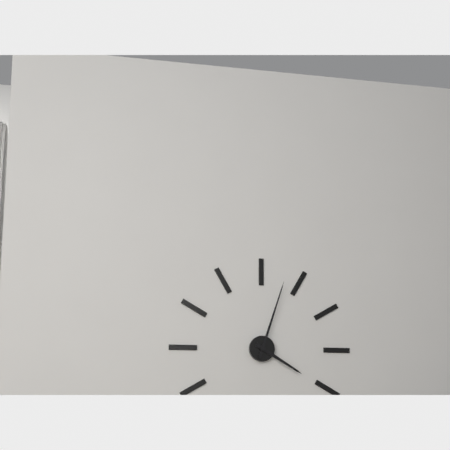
4:03
